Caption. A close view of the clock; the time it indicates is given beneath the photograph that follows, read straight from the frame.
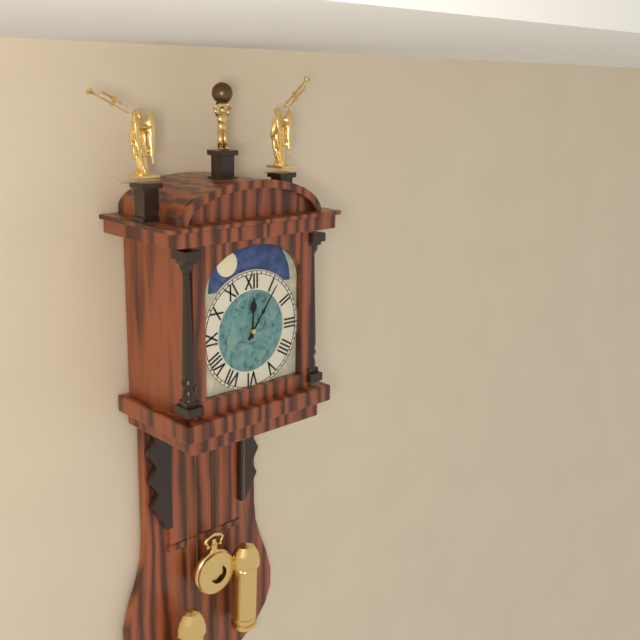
12:06
